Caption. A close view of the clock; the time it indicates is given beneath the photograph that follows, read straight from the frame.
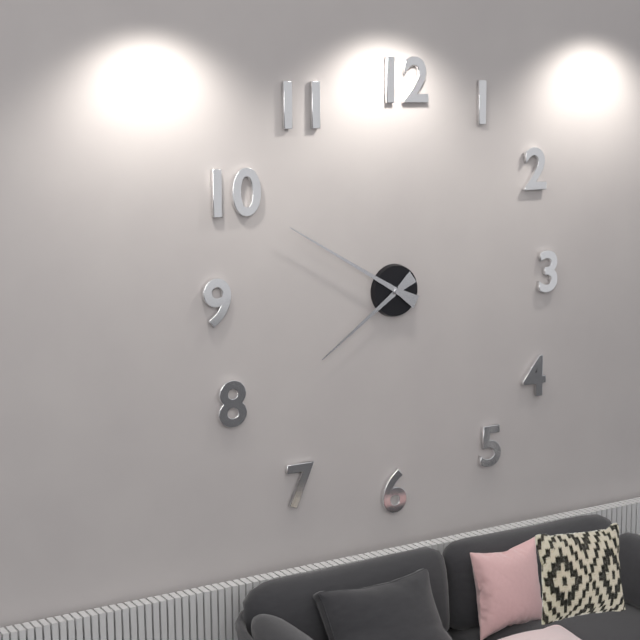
7:50
